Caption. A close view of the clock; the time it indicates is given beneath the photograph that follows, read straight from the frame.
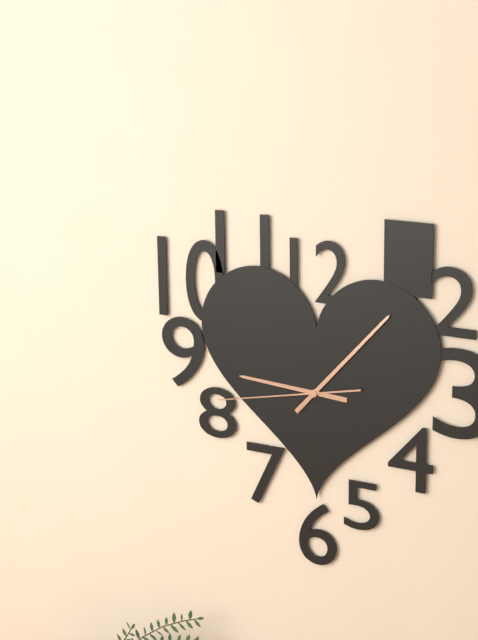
9:07:43
